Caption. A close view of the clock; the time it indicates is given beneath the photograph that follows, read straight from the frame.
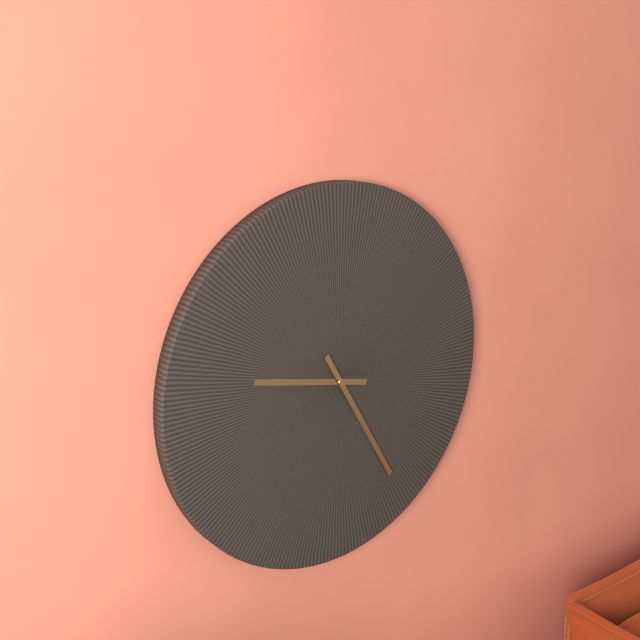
9:25
